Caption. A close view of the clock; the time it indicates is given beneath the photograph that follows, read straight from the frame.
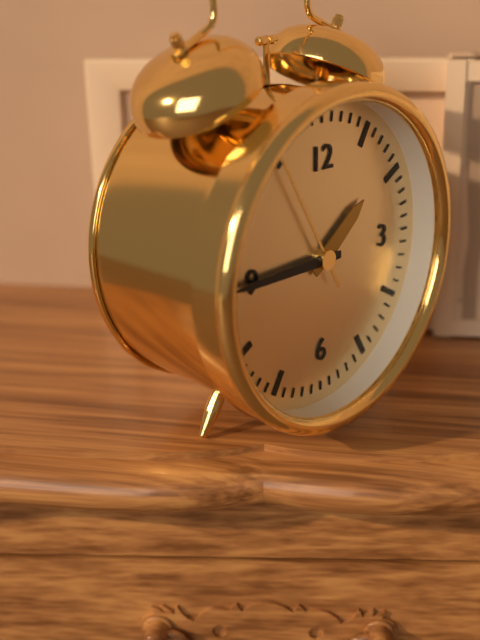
1:45:55
